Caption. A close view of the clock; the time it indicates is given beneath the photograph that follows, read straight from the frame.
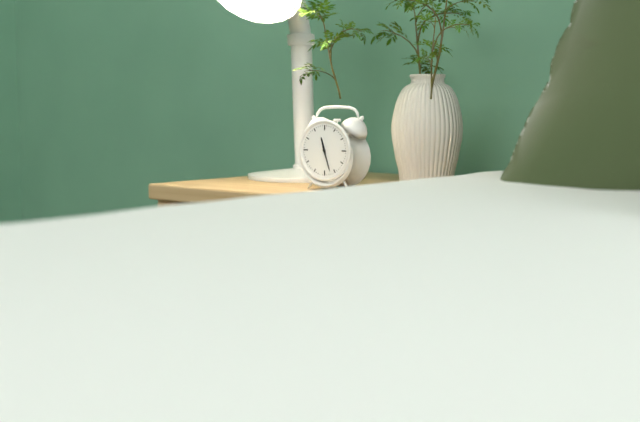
11:27
